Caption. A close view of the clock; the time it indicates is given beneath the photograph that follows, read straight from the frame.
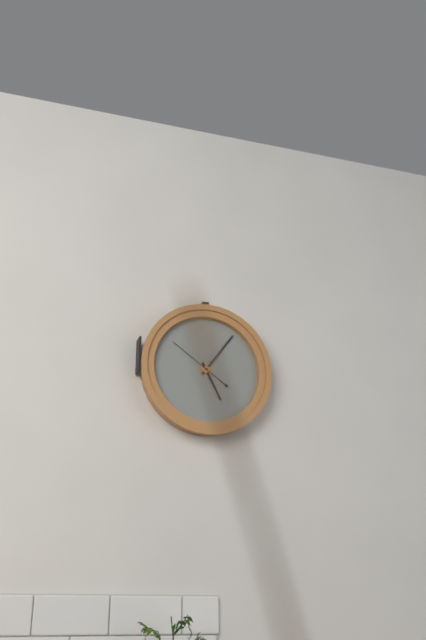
5:06:51
